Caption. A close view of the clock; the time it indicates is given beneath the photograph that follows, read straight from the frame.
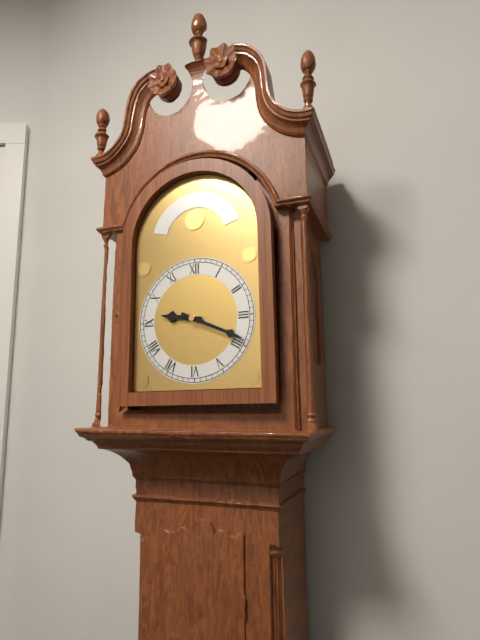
9:19
